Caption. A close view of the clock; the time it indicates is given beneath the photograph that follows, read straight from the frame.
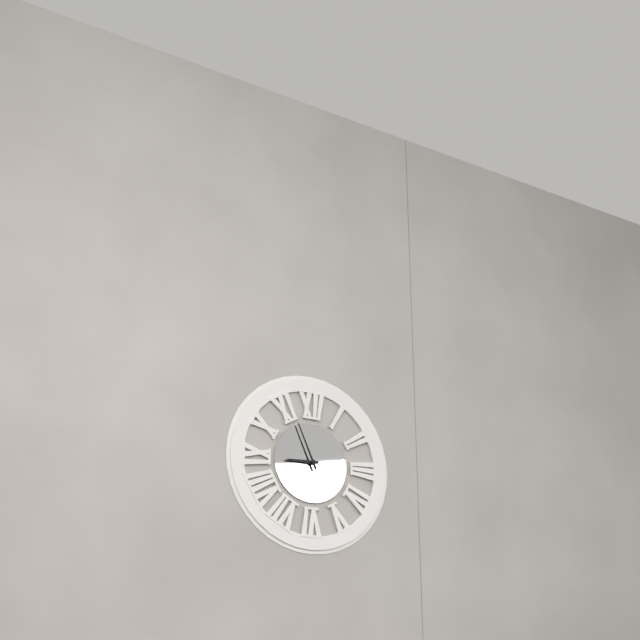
8:56
